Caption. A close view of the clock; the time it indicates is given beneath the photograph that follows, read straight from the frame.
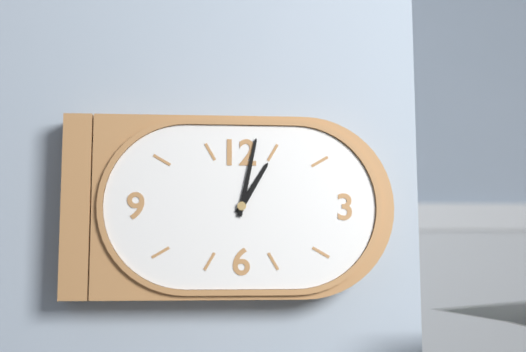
1:02
